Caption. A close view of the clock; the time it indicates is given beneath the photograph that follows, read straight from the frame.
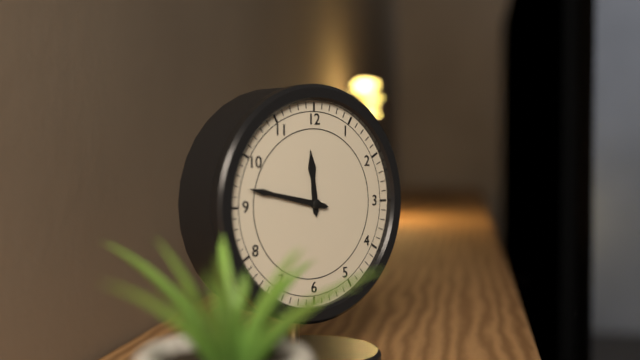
11:47
